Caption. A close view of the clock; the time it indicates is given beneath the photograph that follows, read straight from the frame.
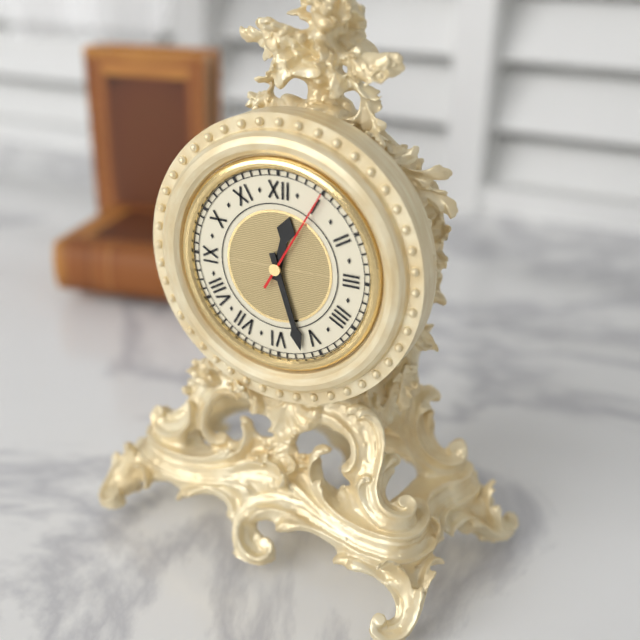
12:27:05
